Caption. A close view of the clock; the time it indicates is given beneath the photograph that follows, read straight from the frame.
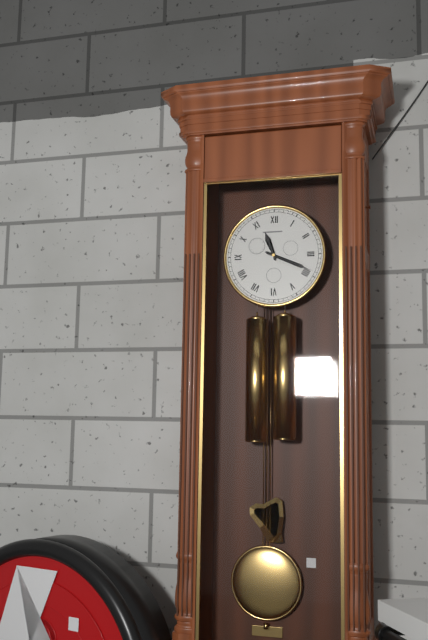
11:19
